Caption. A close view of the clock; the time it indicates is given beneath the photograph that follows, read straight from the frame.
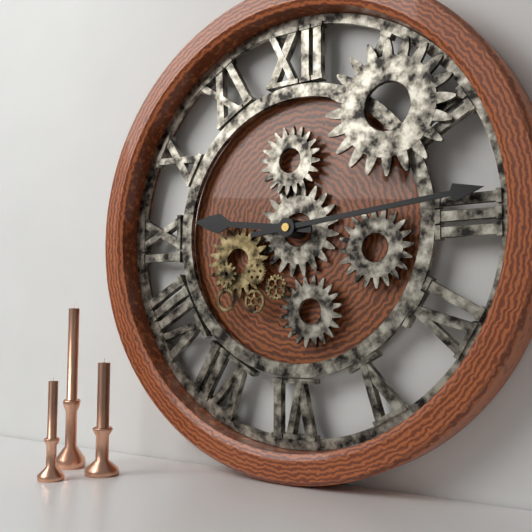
9:14
